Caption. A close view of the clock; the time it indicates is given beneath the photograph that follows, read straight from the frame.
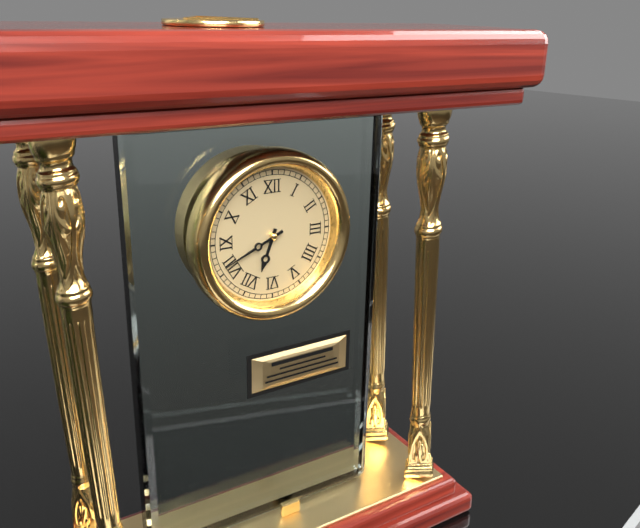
6:41
